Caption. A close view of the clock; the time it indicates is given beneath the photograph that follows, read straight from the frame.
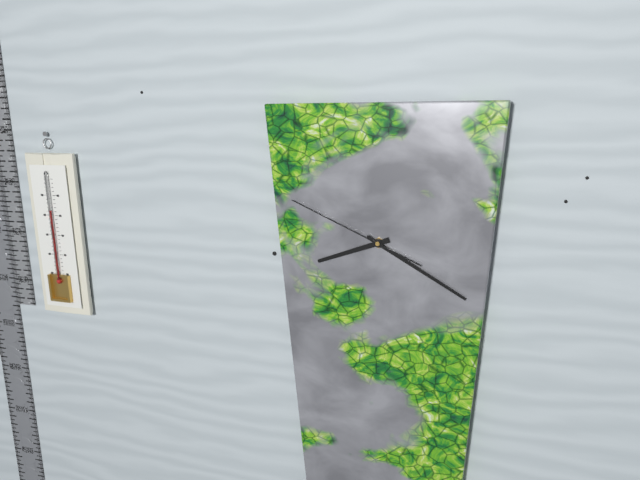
8:20:49
